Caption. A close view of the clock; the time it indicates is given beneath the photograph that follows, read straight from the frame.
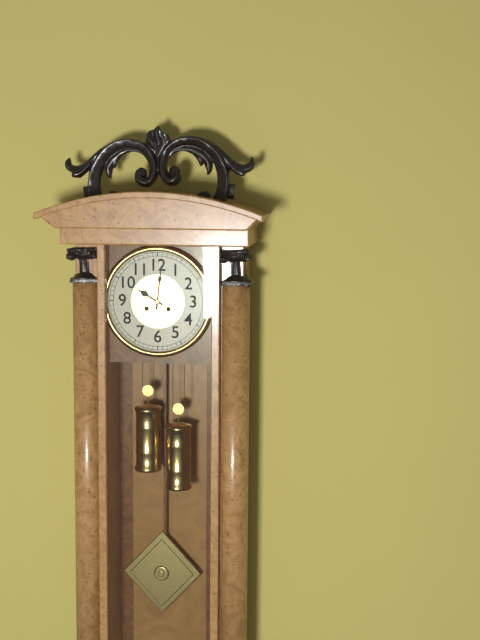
10:01
